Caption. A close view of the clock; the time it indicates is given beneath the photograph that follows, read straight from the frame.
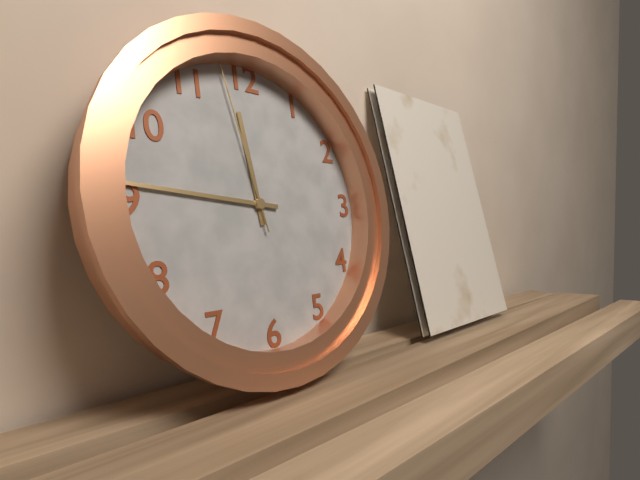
11:46:58
